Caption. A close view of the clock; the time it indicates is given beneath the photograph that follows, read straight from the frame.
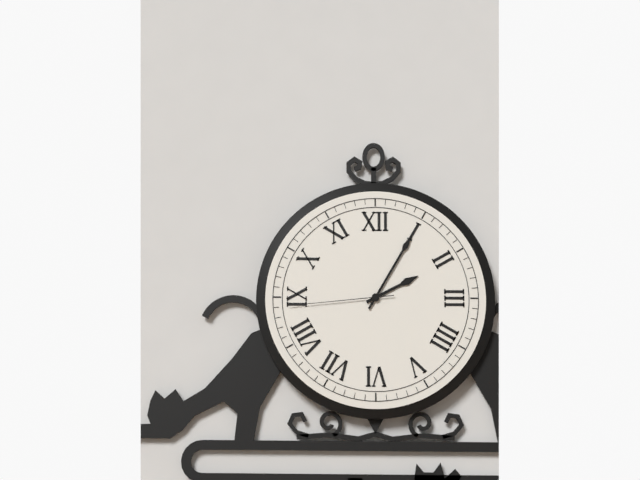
2:05:44
